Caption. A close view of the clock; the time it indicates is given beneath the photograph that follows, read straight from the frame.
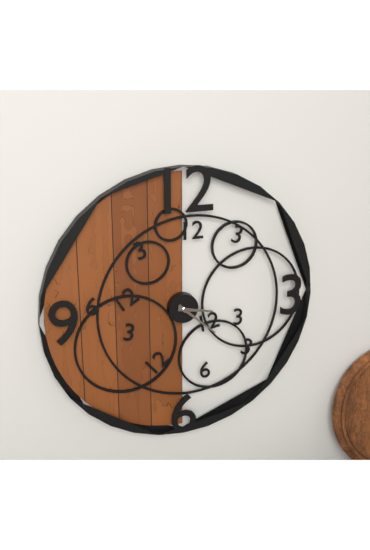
3:22
